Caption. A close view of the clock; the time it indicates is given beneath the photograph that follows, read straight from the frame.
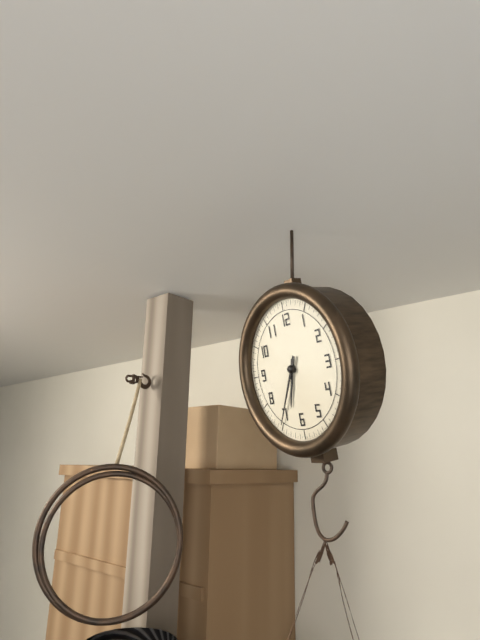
6:35
